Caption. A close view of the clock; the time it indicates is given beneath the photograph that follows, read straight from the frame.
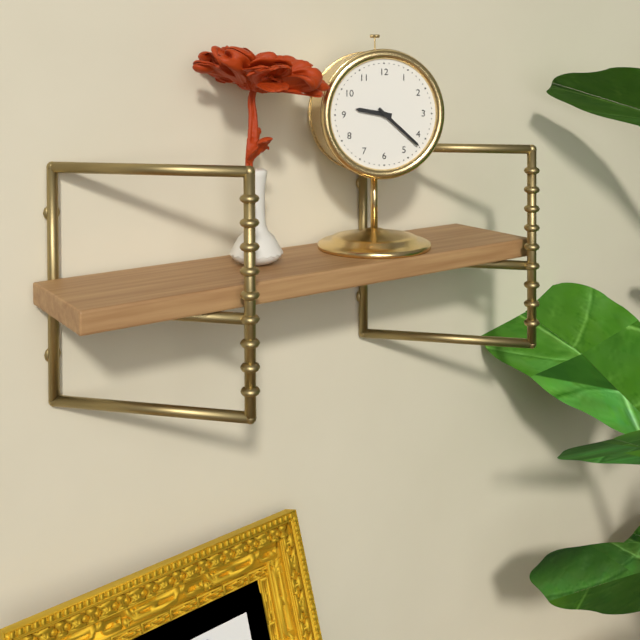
9:22
